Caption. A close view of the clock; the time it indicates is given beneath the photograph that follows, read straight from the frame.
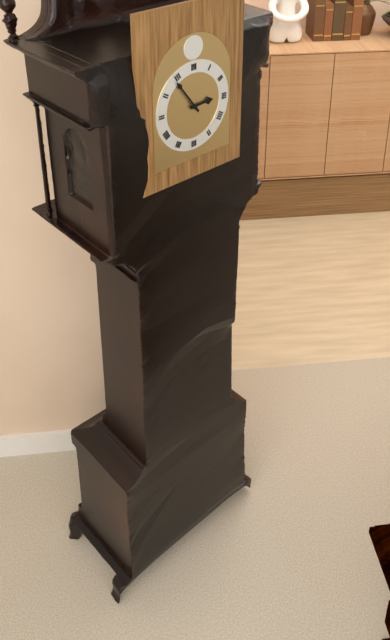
2:54
